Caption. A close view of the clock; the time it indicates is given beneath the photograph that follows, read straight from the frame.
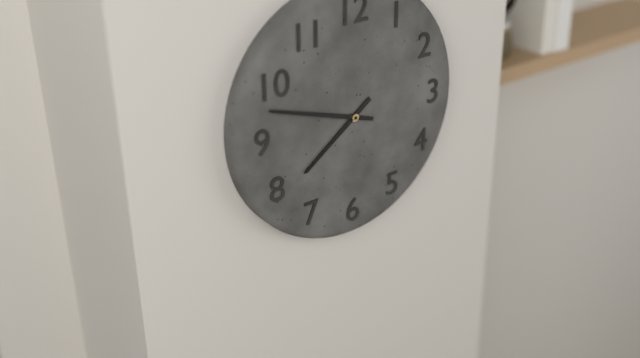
7:48
